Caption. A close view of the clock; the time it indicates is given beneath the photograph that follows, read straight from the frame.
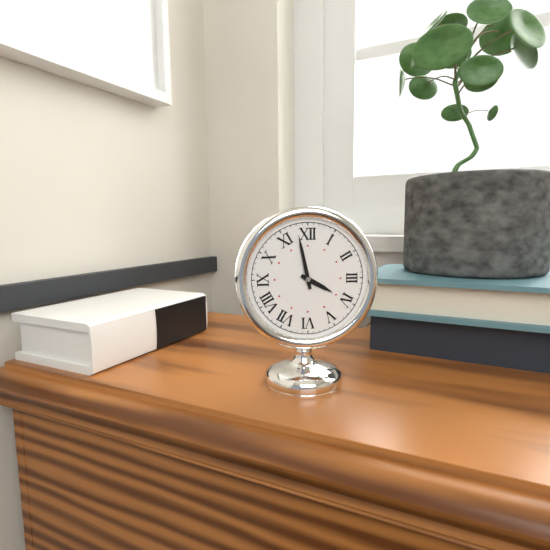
3:58
